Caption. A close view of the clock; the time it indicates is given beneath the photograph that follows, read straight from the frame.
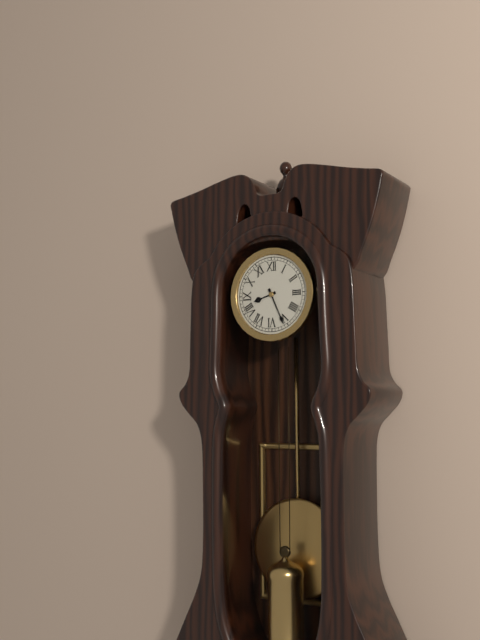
8:26
